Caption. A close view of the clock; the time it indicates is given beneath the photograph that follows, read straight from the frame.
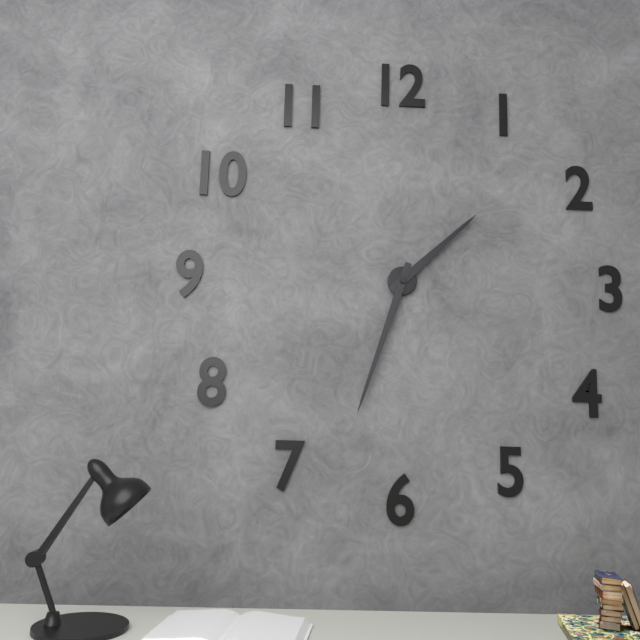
1:33
